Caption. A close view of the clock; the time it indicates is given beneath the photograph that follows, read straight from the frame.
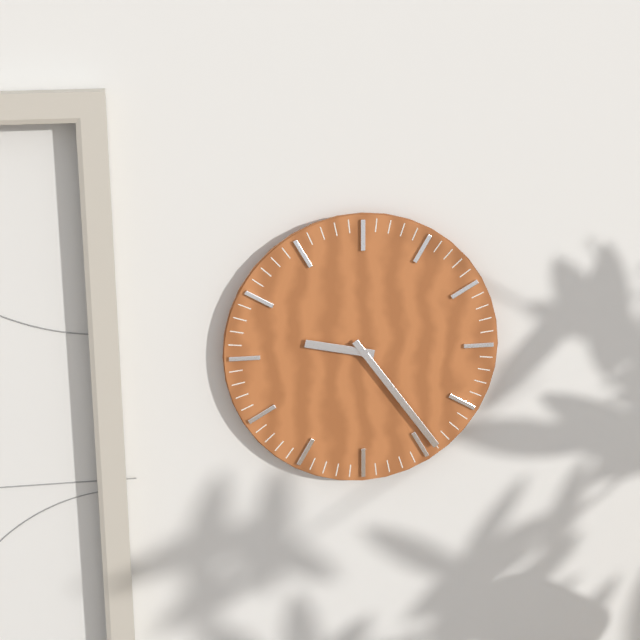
9:24
